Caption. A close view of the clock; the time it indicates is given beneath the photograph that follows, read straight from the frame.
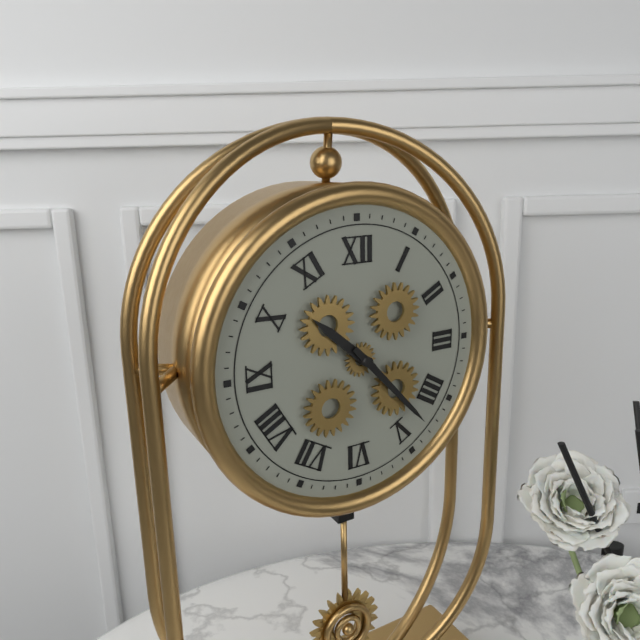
10:23
